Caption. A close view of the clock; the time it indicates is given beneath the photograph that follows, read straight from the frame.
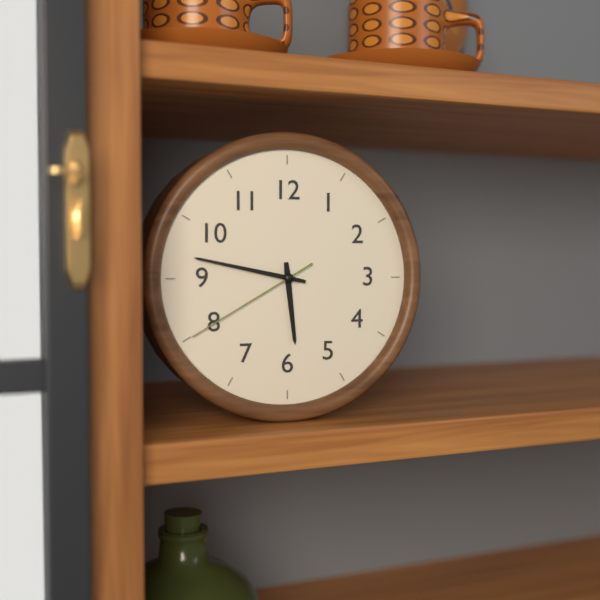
5:47:40
